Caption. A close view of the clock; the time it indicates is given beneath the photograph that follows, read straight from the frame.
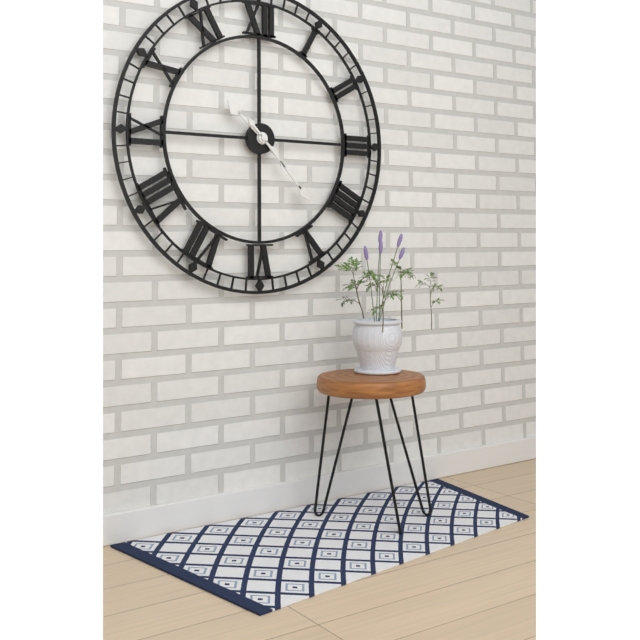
10:23
